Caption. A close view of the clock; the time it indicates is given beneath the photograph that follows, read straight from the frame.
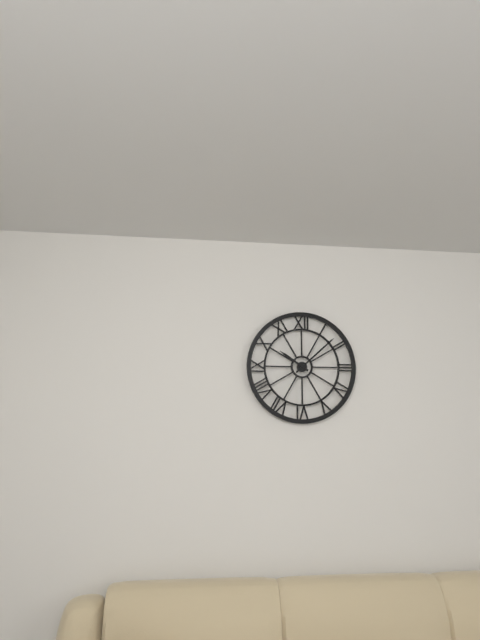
10:08
